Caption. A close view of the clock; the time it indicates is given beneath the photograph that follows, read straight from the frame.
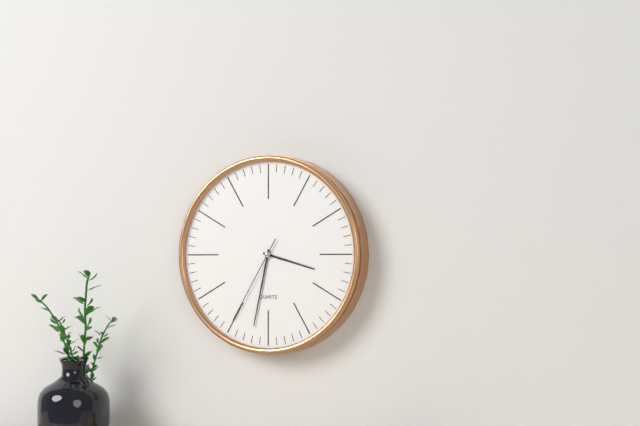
3:32:35
